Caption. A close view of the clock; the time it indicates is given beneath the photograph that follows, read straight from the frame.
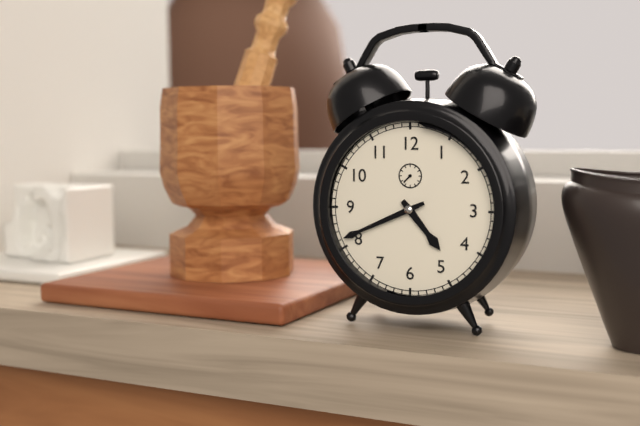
4:41
